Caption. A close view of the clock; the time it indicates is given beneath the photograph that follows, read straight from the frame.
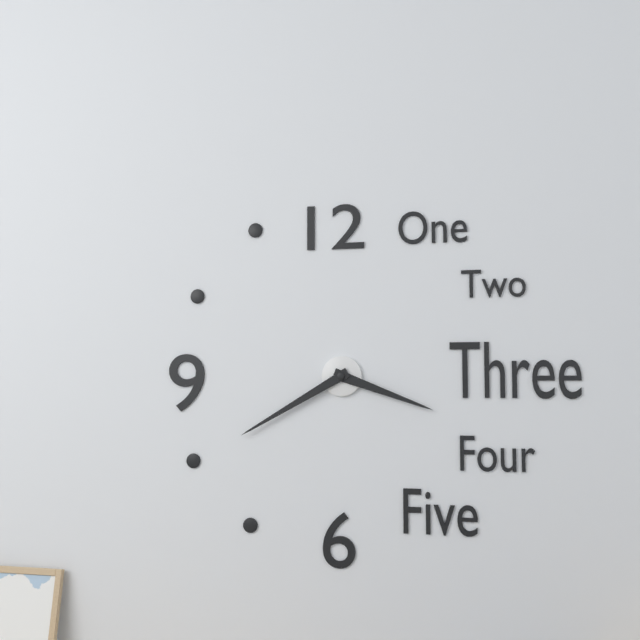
3:40
